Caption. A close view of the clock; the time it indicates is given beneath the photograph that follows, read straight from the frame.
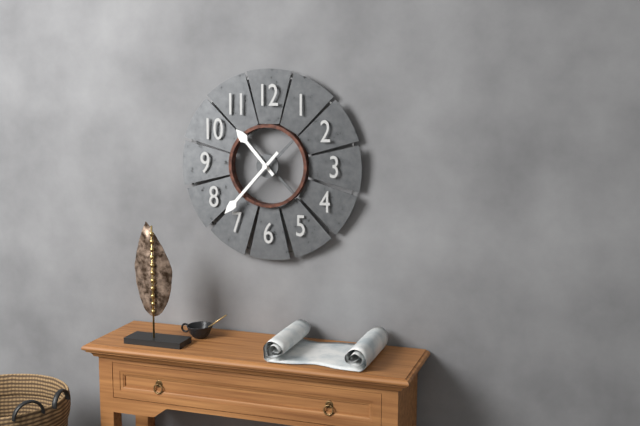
10:37
